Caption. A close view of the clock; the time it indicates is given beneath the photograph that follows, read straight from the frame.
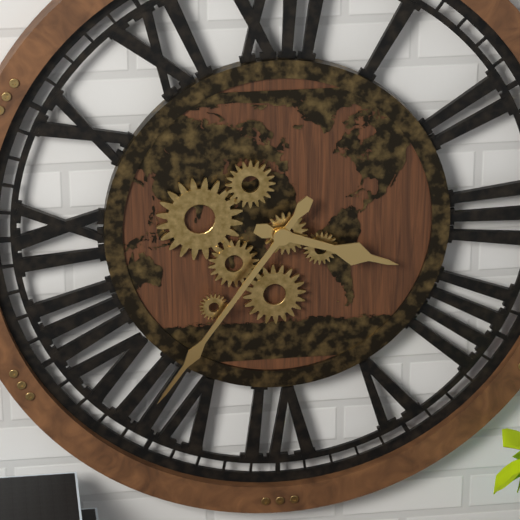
3:36
